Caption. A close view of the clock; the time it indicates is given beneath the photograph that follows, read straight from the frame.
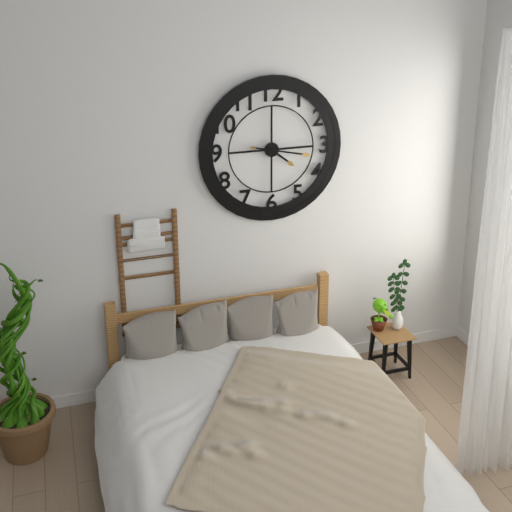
4:17
